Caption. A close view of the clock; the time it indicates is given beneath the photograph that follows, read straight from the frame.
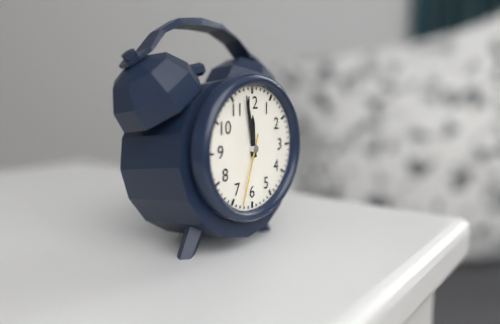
11:58:33
